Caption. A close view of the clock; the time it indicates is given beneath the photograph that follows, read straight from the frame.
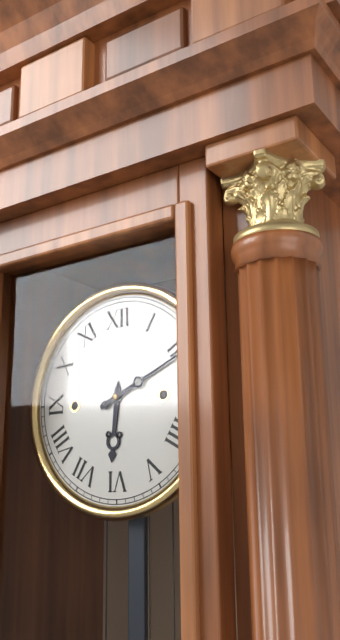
6:11
